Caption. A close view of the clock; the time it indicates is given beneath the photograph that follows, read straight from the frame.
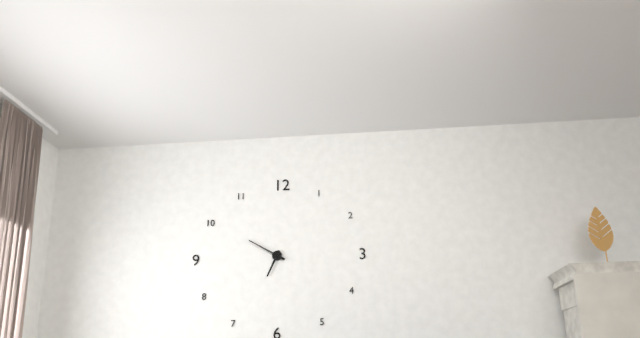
6:50
